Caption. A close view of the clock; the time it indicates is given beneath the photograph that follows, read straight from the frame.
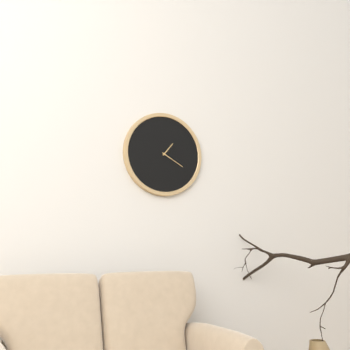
1:20
